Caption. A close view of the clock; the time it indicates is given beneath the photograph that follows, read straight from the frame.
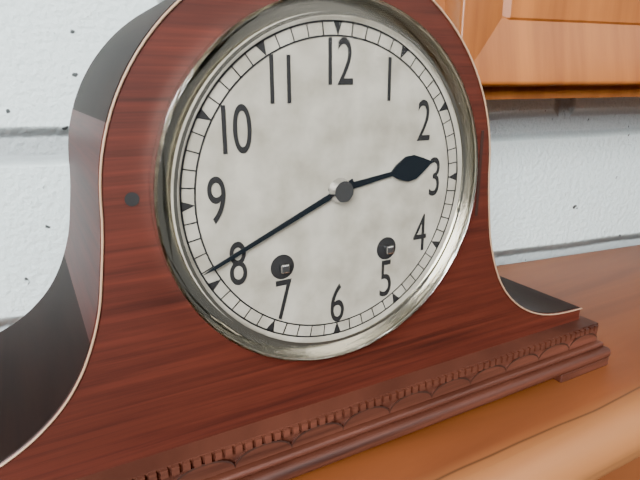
2:41
